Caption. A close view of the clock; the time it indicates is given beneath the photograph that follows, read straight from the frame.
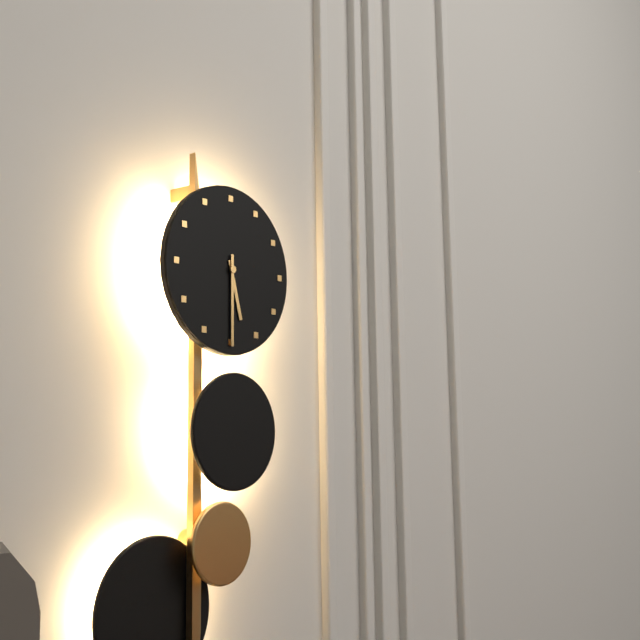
5:30
